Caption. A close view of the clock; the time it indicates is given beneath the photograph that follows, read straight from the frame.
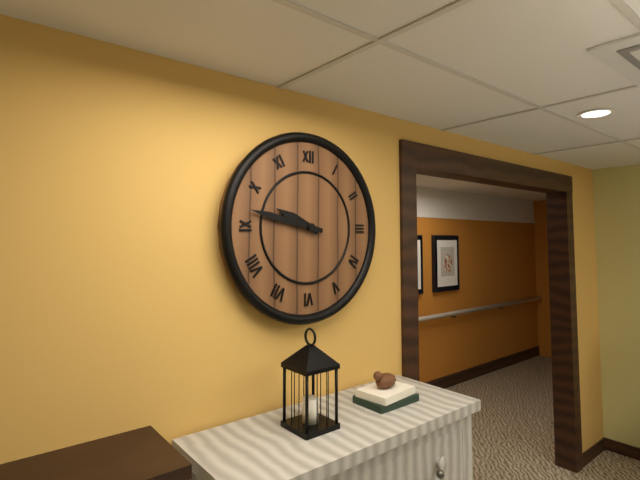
9:47
